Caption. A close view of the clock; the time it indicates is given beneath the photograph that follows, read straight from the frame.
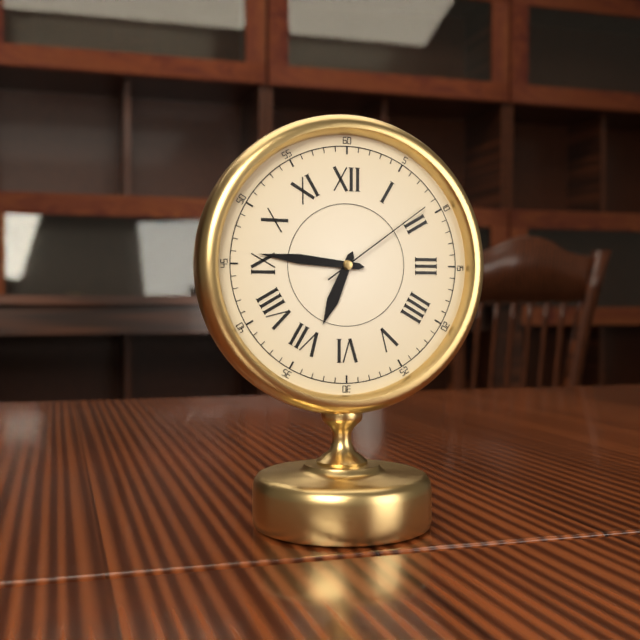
6:46:09
